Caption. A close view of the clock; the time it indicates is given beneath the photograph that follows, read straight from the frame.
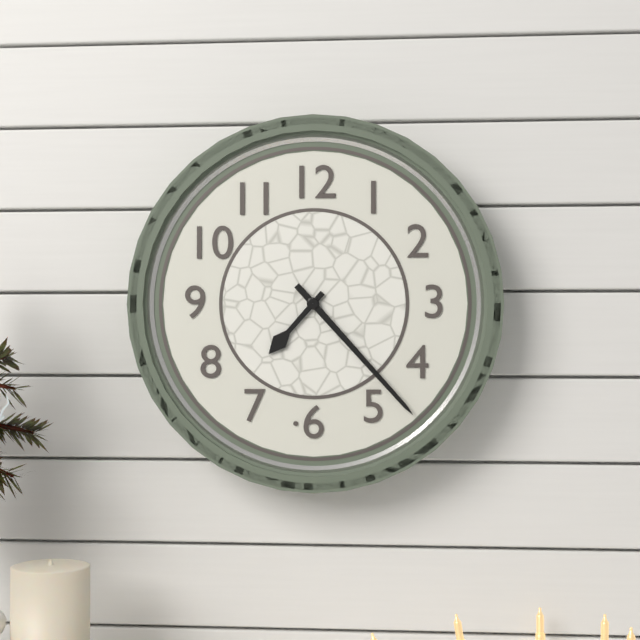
7:23
